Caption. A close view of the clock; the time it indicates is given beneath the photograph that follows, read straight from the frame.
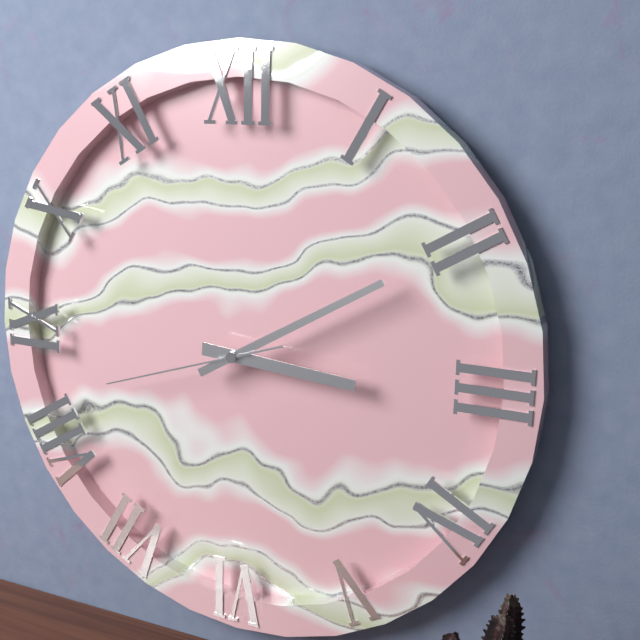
3:10:42
